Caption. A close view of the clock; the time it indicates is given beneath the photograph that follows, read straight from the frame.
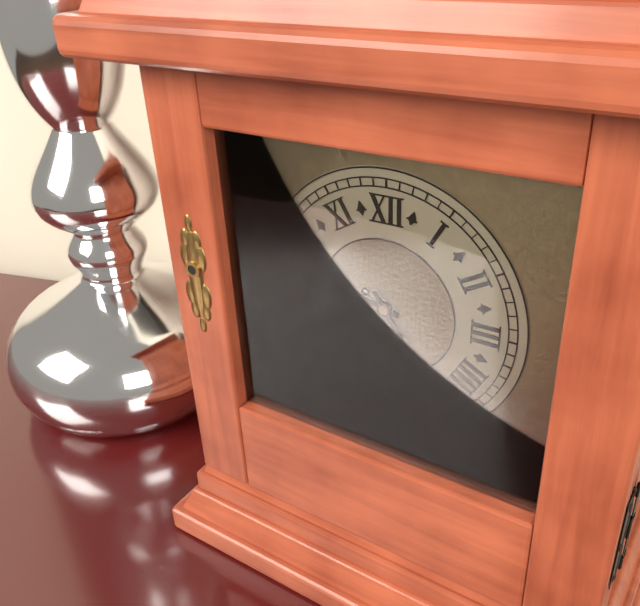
9:25
